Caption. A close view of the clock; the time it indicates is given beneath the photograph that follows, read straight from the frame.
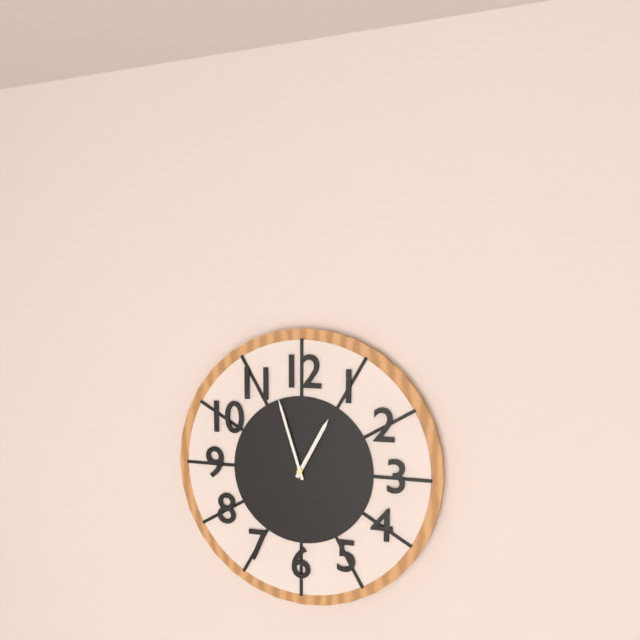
12:57
